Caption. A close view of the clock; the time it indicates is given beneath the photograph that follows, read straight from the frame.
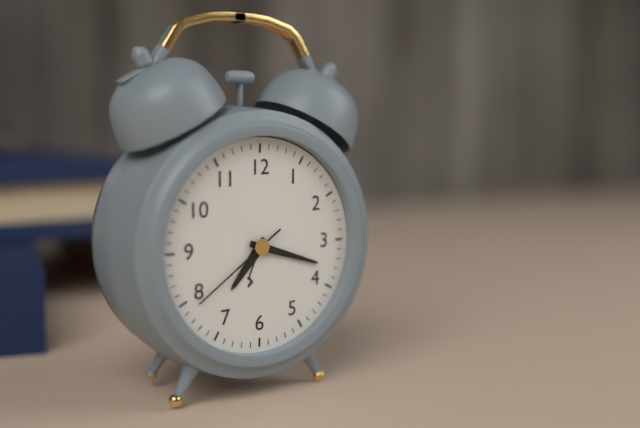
7:18:39
